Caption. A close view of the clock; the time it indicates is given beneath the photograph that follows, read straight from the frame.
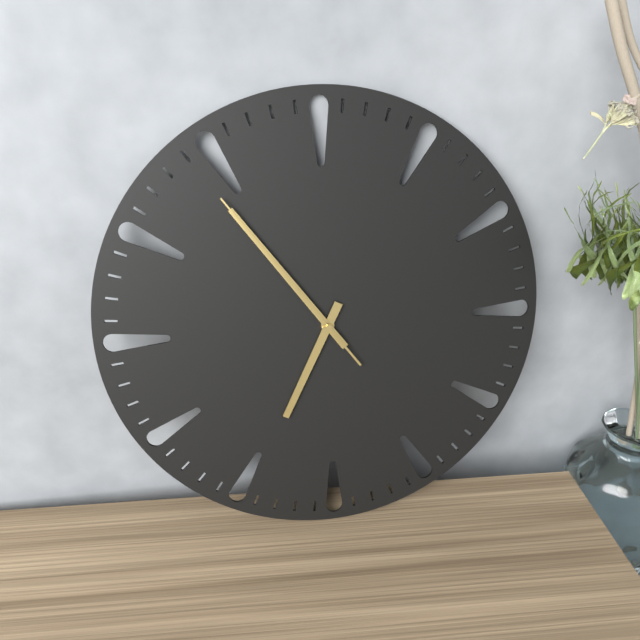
6:54:54
